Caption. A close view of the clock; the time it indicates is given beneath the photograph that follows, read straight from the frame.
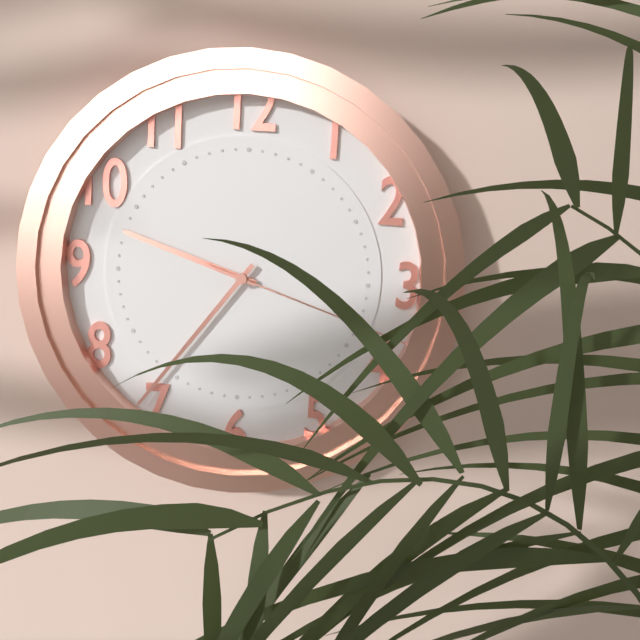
9:36
